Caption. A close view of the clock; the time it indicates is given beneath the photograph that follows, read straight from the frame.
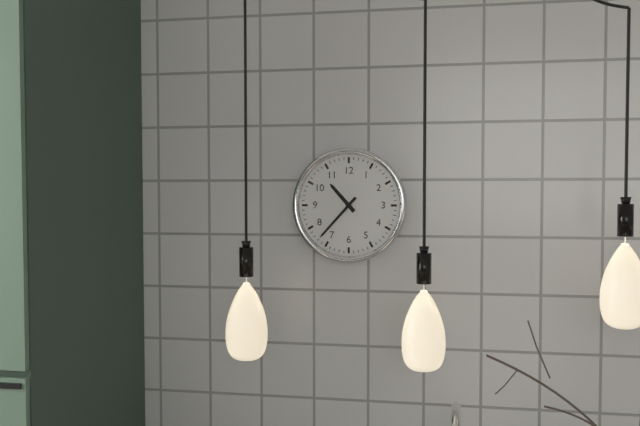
10:37
